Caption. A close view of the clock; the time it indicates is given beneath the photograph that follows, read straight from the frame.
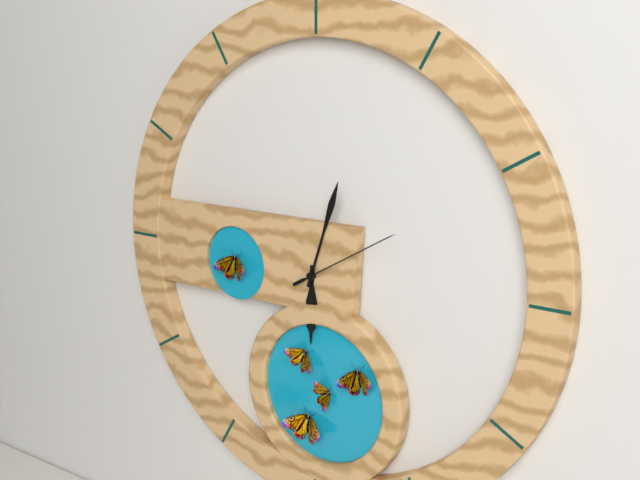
6:03:10
